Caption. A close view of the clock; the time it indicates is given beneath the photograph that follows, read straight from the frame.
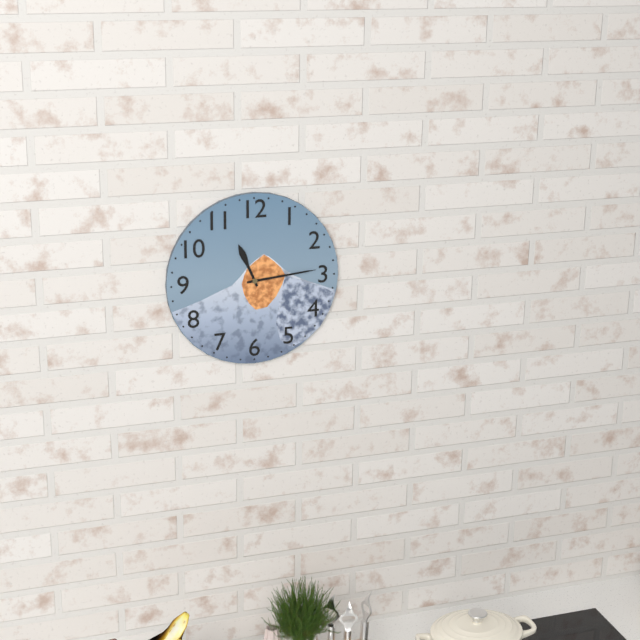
11:14
